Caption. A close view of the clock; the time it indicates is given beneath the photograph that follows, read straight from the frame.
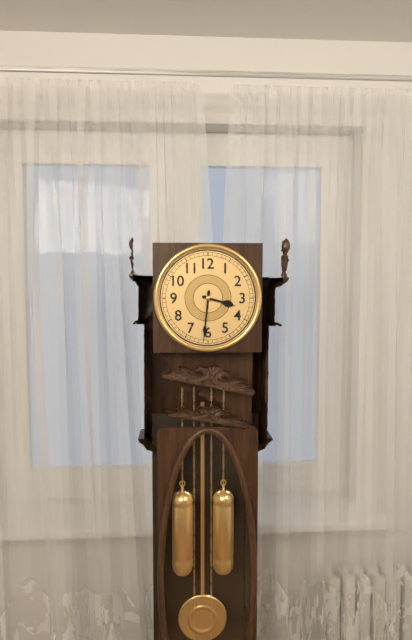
3:31
